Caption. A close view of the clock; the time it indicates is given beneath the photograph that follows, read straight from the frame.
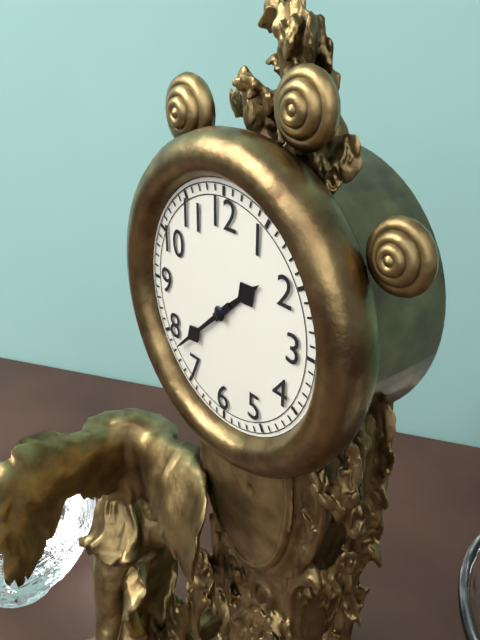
1:38
